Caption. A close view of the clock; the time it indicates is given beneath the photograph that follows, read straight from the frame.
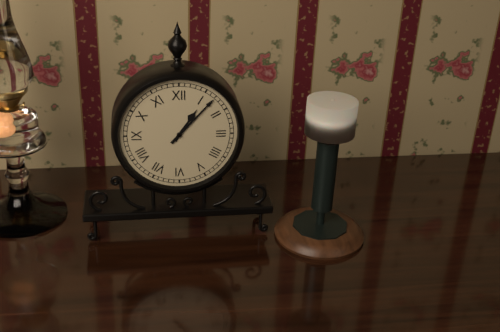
1:07
